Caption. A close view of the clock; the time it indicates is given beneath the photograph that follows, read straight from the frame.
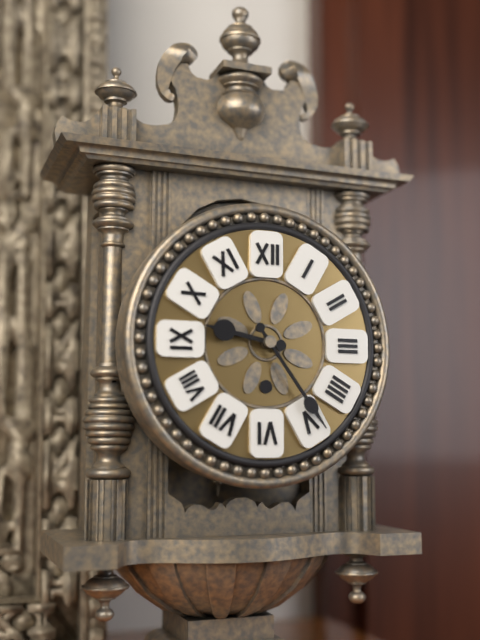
9:24
